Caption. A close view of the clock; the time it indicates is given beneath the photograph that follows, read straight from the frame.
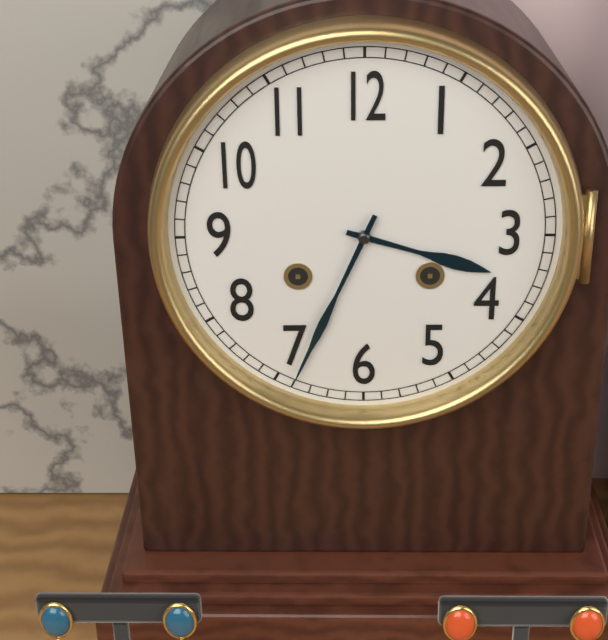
3:34
